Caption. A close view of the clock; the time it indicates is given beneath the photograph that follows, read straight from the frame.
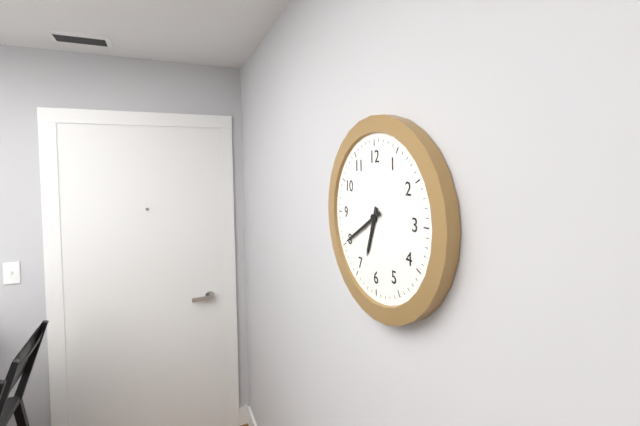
6:40
